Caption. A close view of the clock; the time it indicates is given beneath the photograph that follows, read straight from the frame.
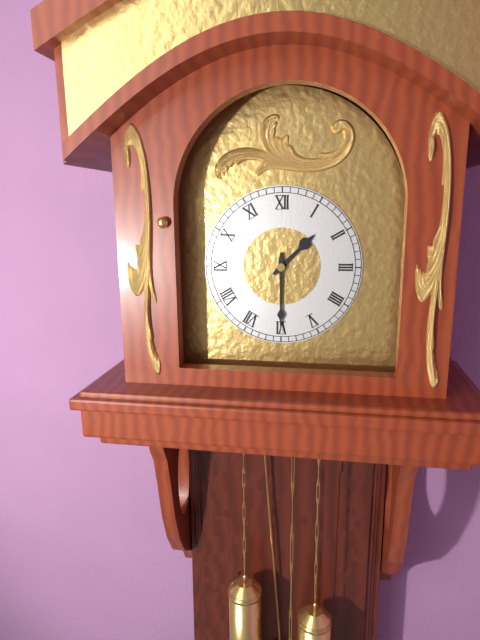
1:30
